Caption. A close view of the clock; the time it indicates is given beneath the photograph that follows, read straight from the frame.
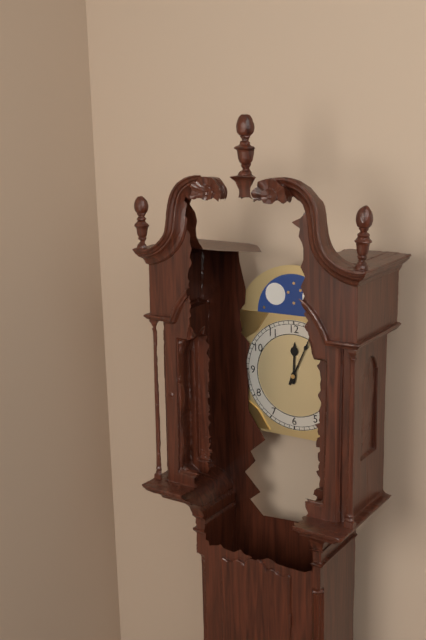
12:04
